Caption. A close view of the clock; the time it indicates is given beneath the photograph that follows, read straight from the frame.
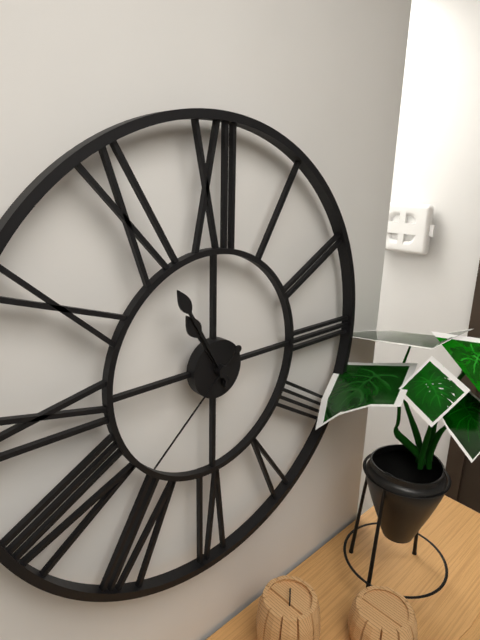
10:55:38
